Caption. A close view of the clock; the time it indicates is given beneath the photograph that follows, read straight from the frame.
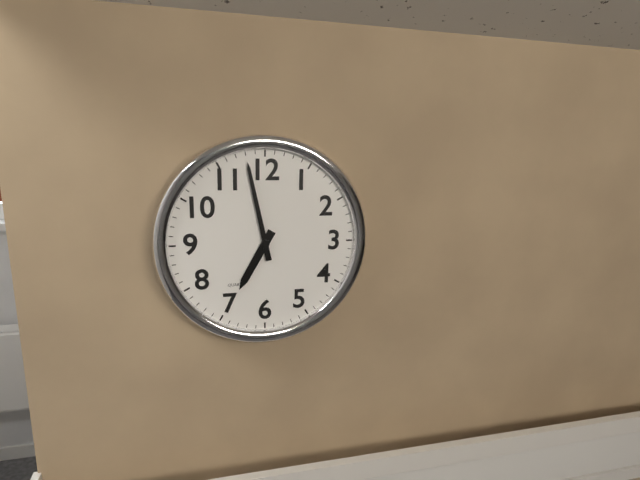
6:58
